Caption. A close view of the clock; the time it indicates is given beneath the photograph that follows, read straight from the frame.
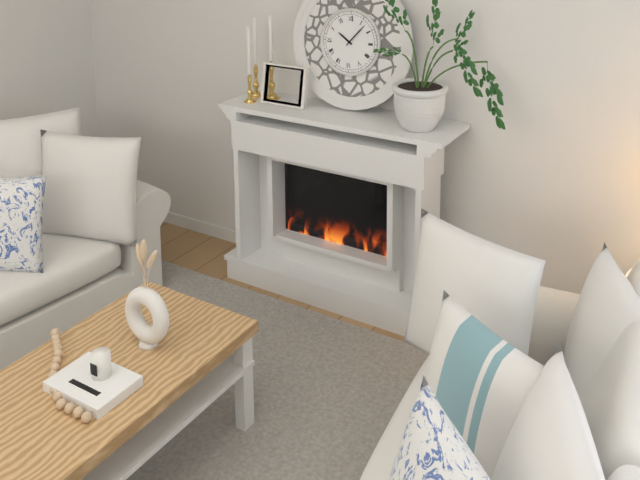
10:07
